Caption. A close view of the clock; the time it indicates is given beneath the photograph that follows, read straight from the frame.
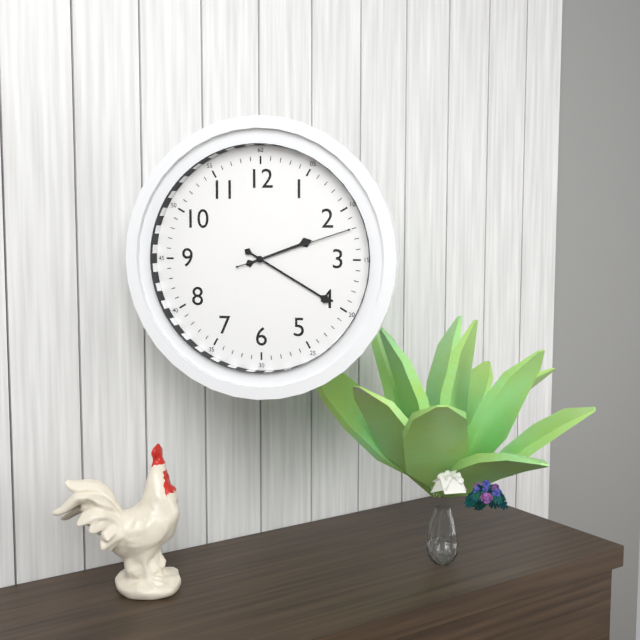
2:20:12
